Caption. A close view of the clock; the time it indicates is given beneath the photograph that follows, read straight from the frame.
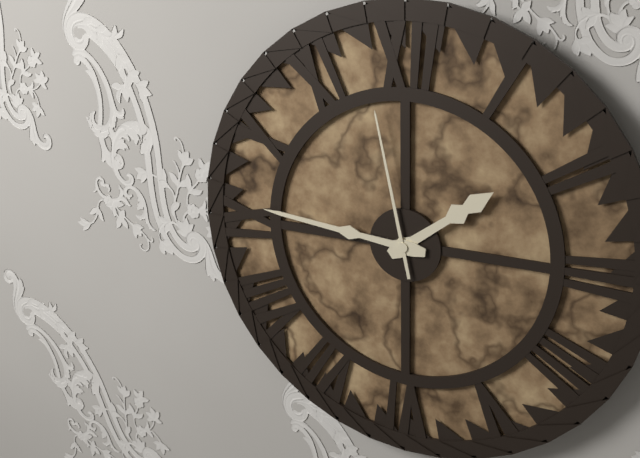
1:46:58
